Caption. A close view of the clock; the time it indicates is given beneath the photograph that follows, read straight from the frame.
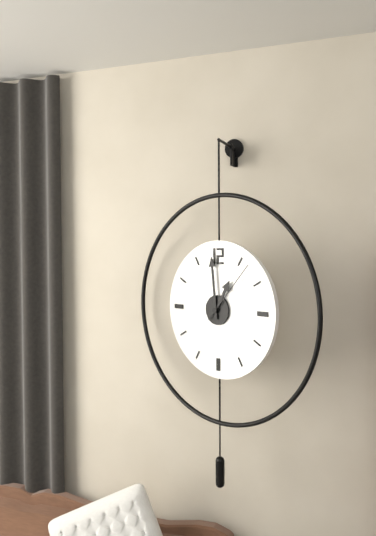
12:59:07
